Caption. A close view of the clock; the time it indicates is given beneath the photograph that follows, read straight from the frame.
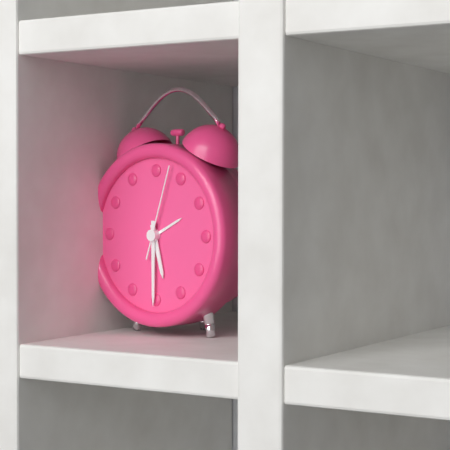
5:30:03
